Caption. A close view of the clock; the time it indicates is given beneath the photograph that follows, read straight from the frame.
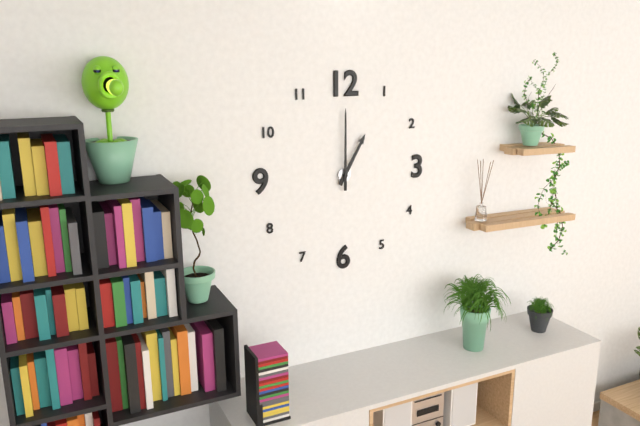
1:00
